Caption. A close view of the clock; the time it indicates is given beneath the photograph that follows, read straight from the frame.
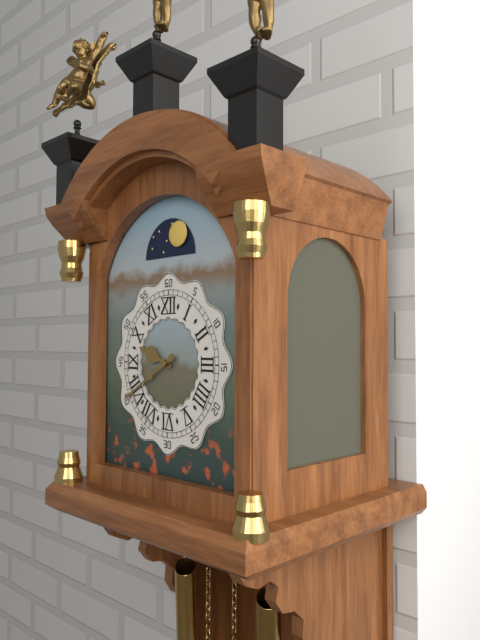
9:40
